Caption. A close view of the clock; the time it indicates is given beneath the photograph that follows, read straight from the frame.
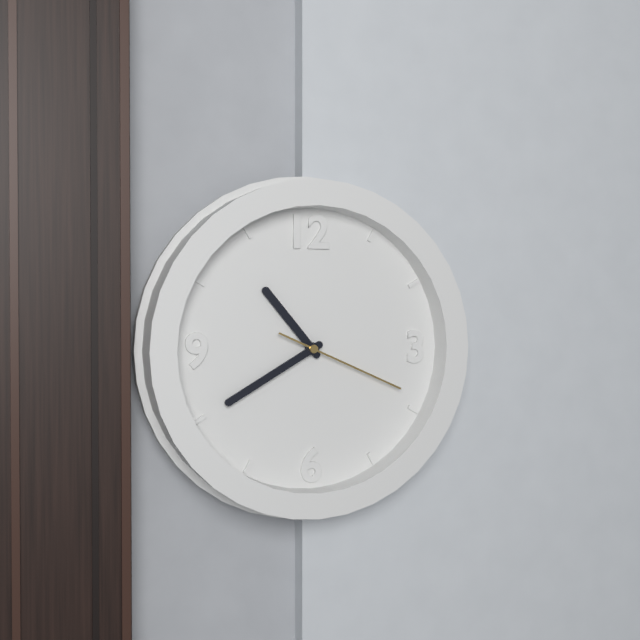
10:40:19
